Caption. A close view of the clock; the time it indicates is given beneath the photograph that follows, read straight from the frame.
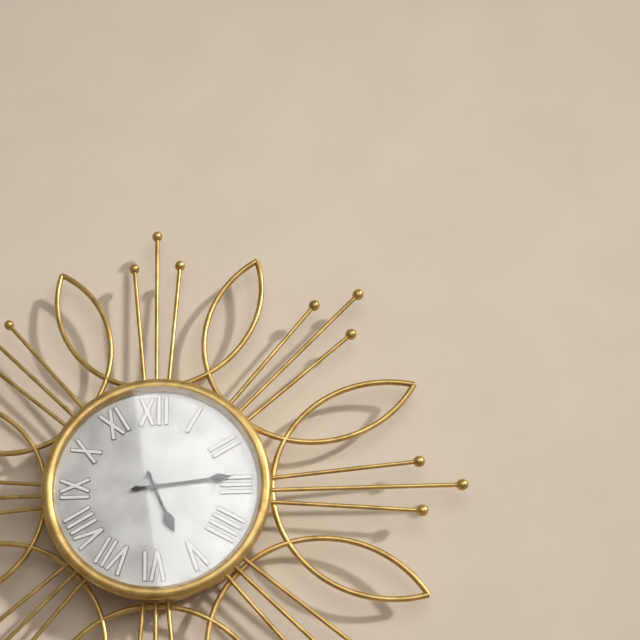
5:14
